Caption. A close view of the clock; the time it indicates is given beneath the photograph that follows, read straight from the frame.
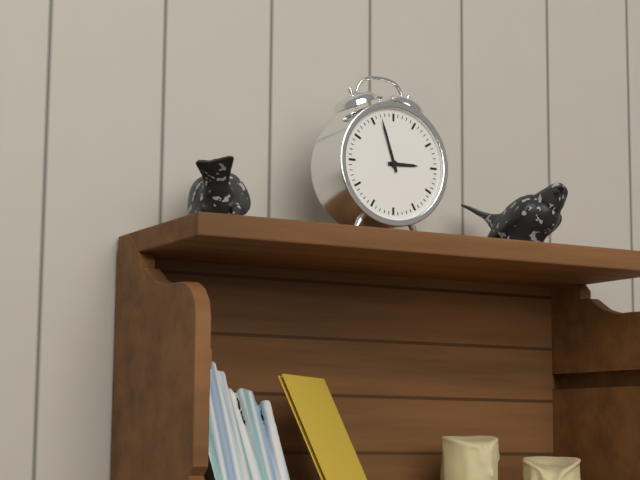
2:57
